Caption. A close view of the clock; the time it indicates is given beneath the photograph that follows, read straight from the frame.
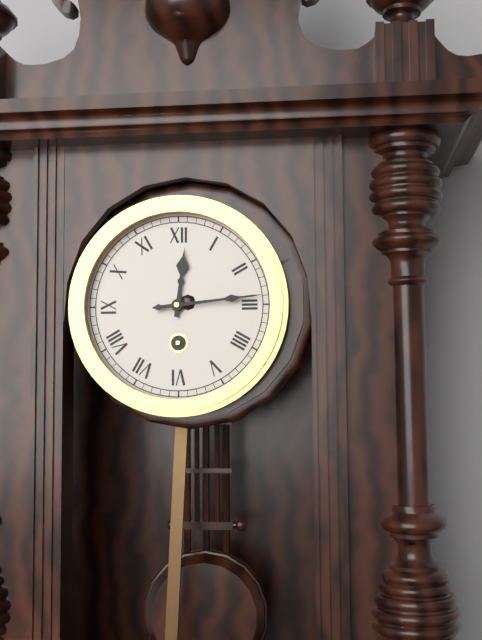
12:14
